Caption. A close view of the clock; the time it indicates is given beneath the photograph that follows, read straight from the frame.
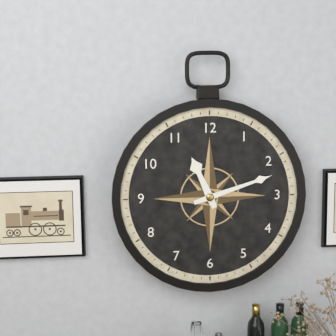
11:12
